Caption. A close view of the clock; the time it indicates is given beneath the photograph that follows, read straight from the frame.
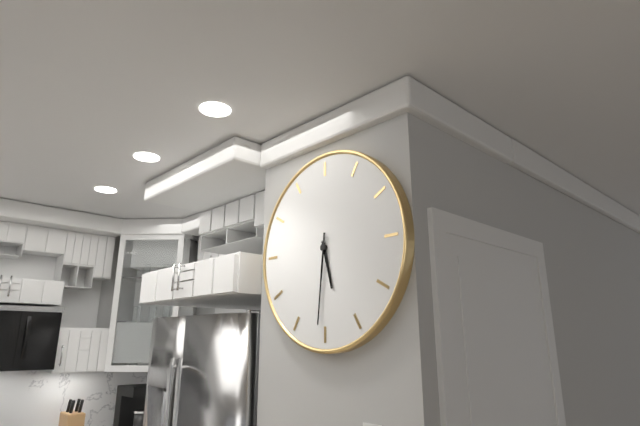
5:31
